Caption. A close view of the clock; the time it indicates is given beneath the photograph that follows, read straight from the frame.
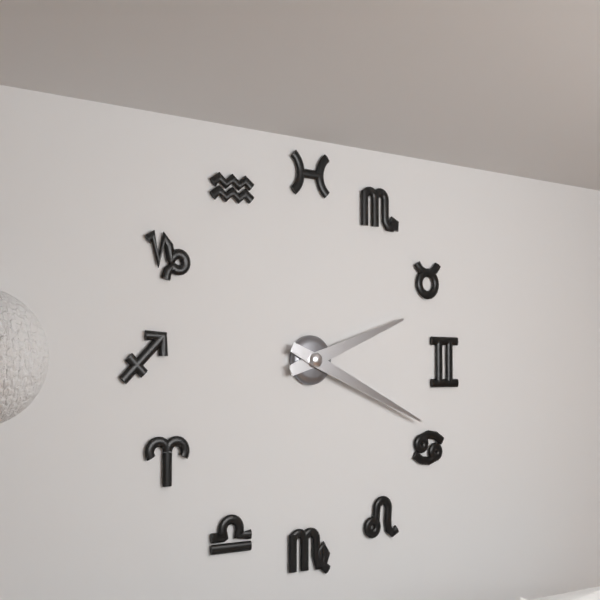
2:19
